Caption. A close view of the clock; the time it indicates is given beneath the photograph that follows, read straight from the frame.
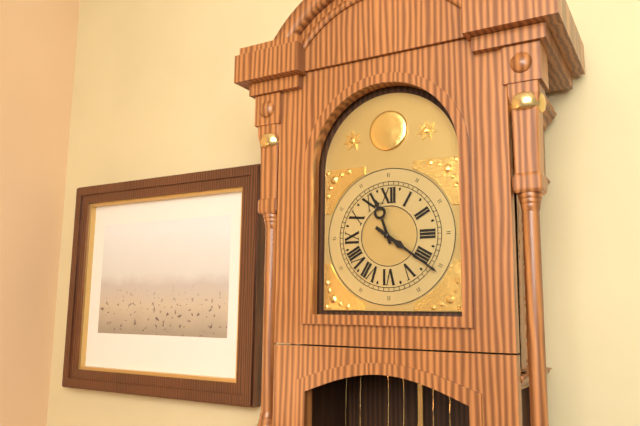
11:21
